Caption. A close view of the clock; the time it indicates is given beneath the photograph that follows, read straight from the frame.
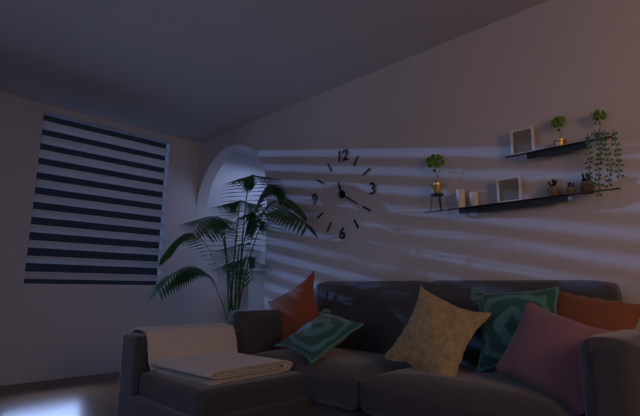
11:20
